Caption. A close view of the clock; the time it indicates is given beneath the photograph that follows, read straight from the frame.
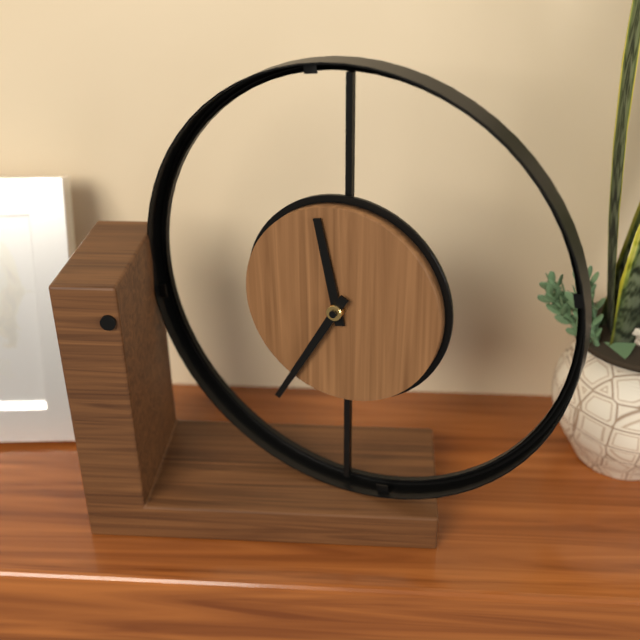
11:35
